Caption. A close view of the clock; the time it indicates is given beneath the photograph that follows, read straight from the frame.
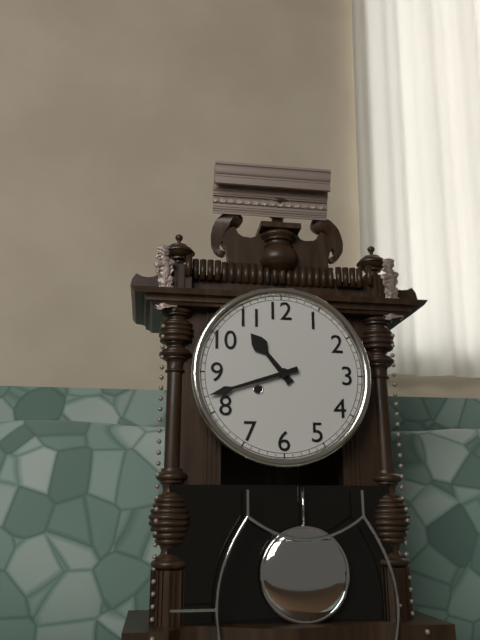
10:42
